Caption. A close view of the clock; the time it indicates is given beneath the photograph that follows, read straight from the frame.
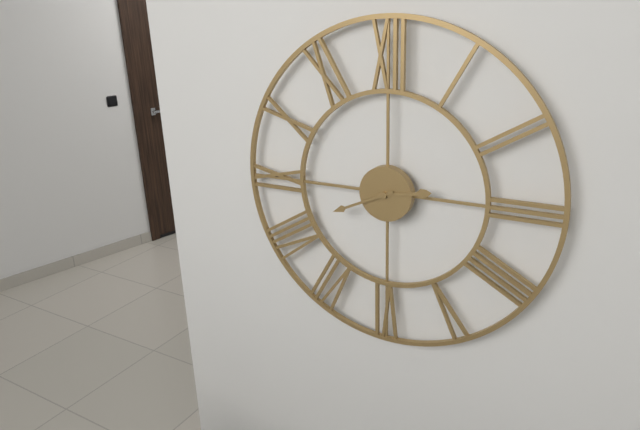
2:41
